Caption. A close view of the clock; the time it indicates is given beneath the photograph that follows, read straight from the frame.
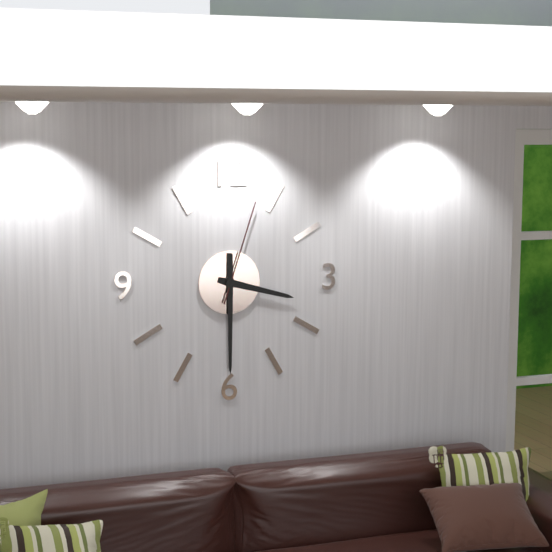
3:30:03
